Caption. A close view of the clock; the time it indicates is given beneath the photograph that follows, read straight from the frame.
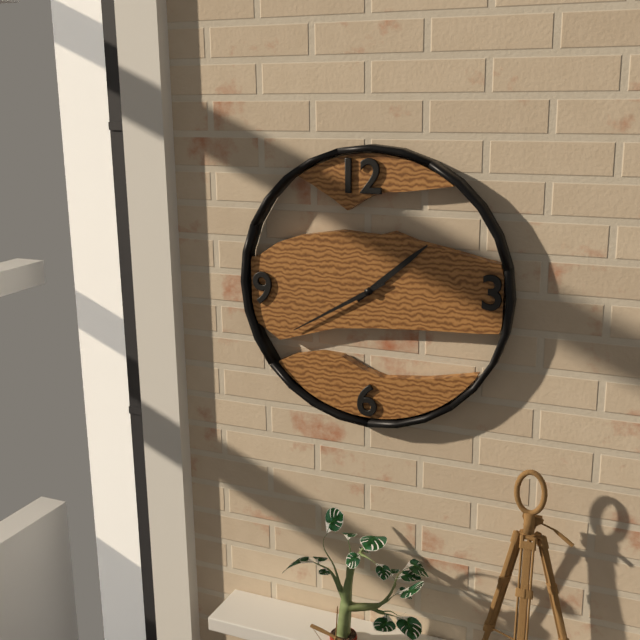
1:40
